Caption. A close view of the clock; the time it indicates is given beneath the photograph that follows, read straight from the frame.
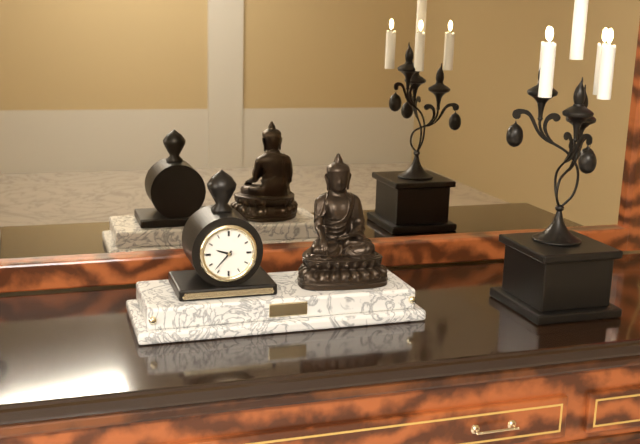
9:37
